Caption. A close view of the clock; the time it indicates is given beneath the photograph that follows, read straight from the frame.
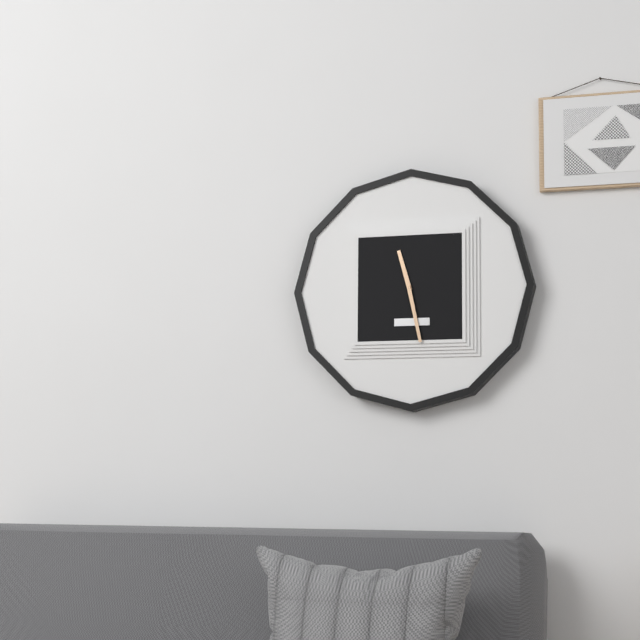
11:28
